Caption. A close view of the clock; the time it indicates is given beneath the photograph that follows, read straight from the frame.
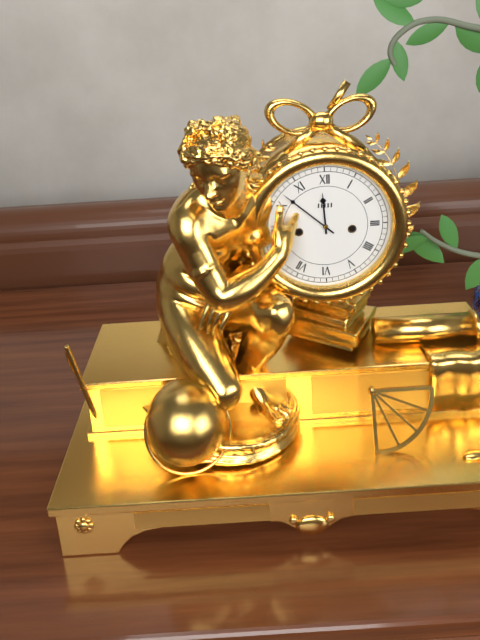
11:52
